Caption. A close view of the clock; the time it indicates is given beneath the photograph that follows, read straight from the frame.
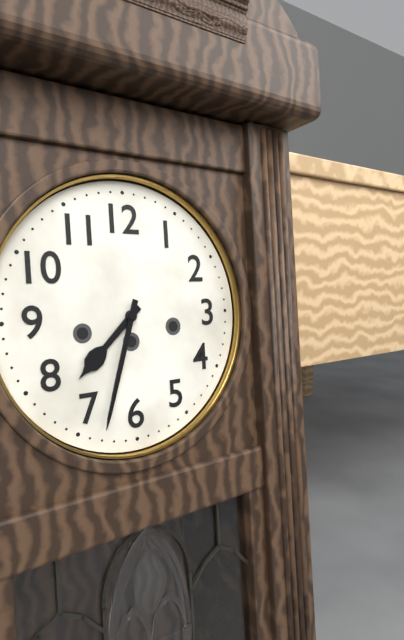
7:33
